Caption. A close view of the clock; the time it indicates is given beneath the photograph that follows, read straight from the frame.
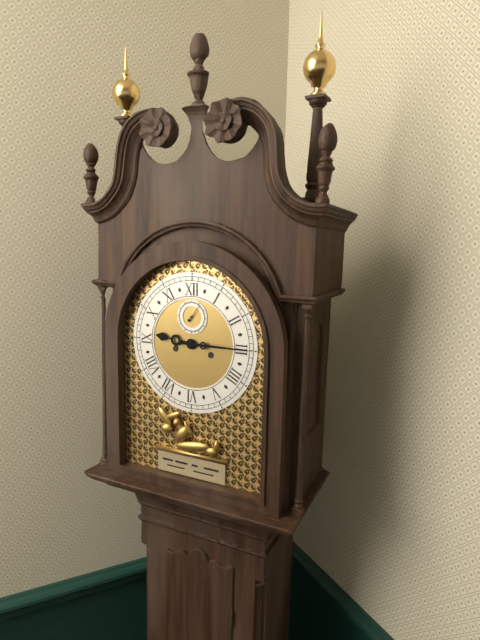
9:15
